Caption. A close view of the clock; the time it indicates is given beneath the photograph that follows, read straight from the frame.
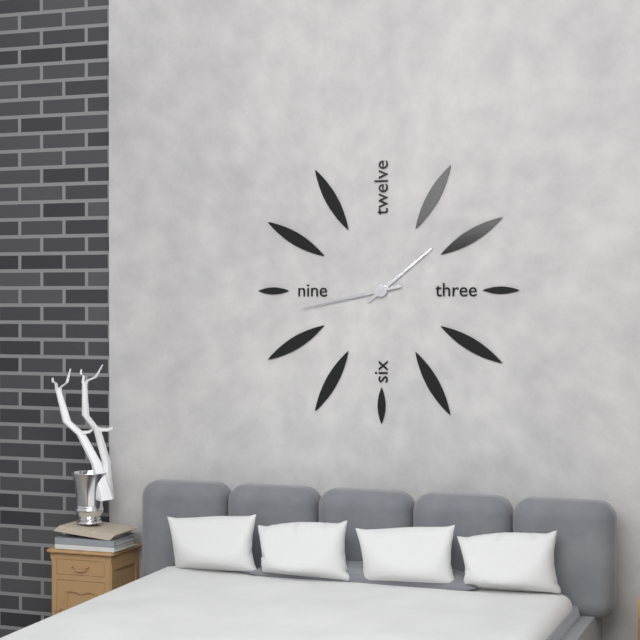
1:43
